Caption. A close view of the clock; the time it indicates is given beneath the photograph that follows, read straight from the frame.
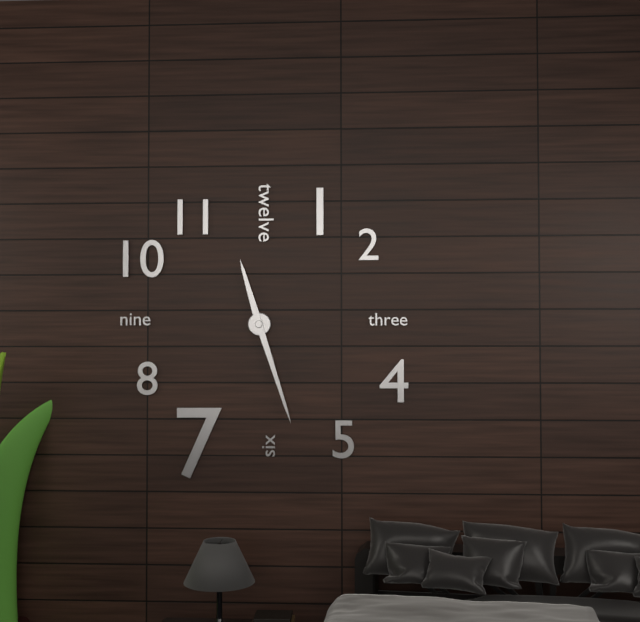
11:27
